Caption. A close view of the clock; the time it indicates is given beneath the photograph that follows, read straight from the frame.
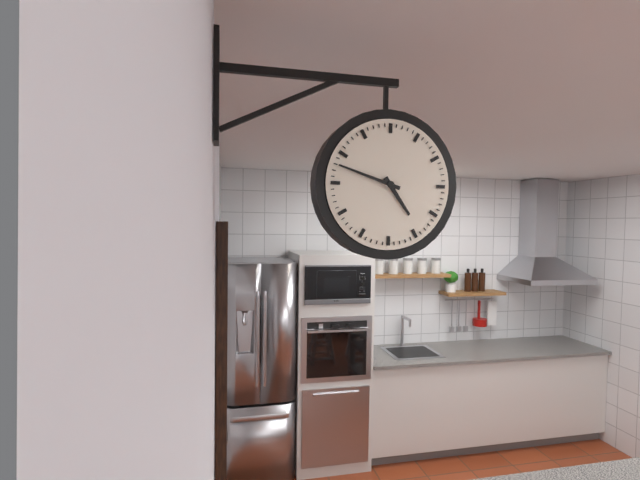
4:48
